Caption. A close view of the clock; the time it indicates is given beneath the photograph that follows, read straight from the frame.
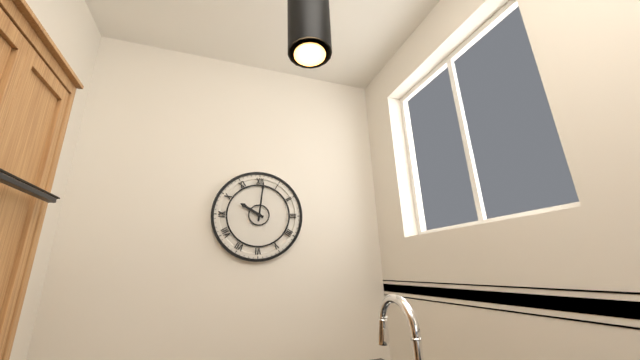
10:01
